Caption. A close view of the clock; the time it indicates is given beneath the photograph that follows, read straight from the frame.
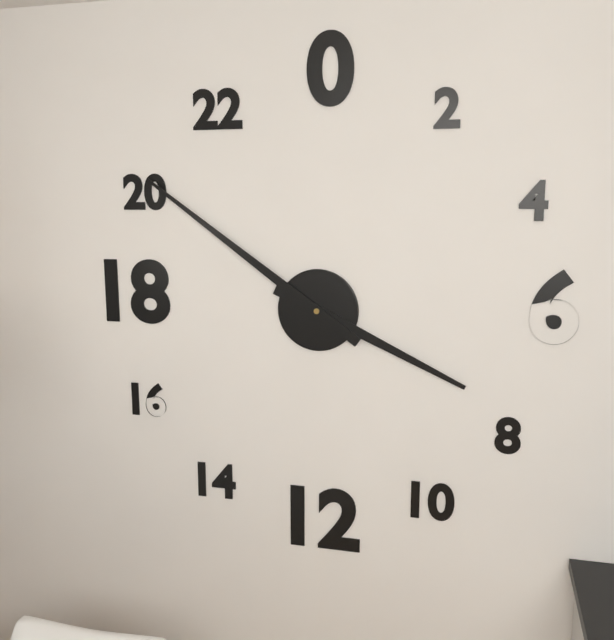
3:51
